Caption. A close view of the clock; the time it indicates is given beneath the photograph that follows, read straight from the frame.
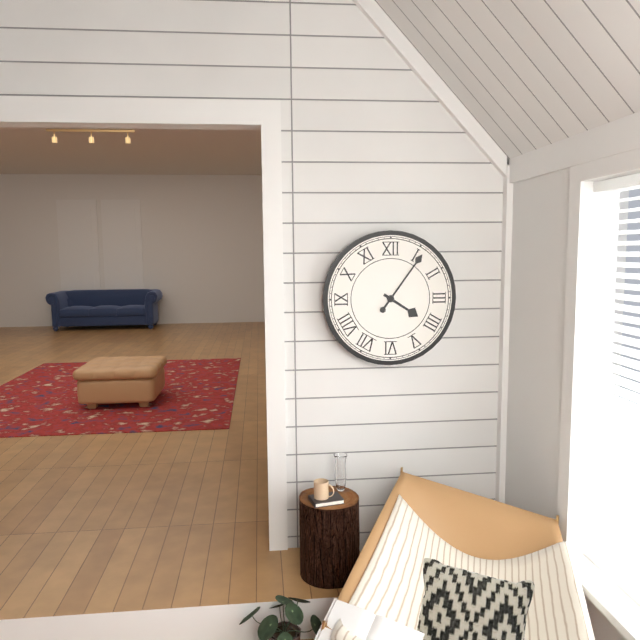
4:06
